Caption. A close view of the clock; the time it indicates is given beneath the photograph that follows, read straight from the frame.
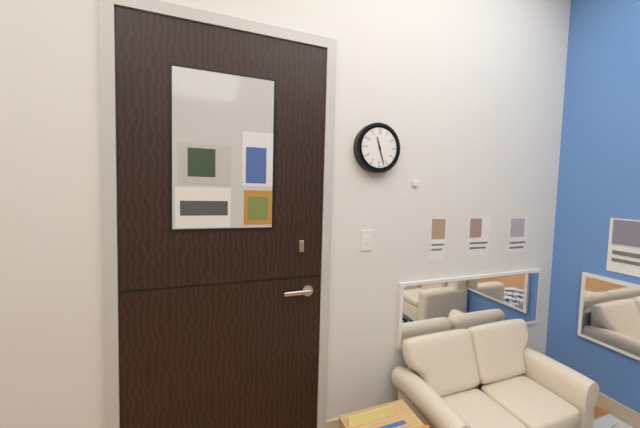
11:27
